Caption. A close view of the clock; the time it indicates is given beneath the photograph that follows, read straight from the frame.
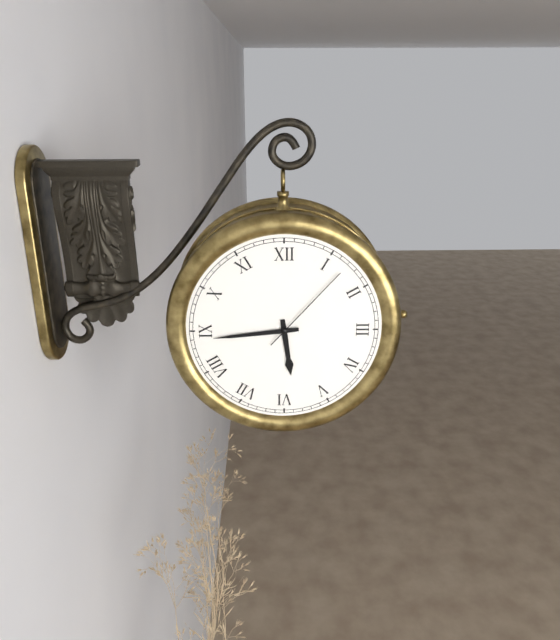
5:44:07
